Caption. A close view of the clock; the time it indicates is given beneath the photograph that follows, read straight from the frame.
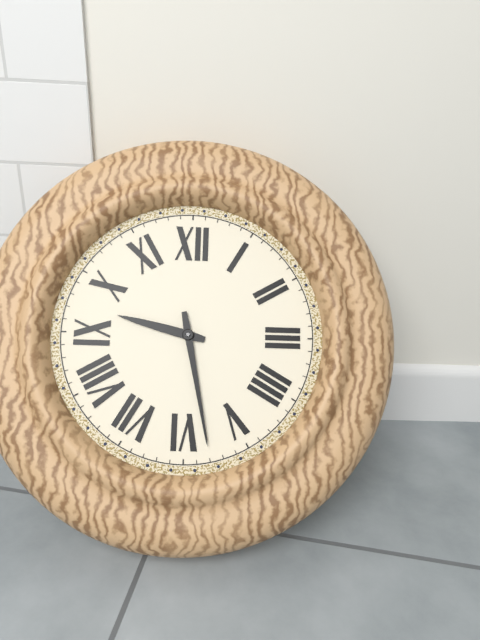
9:28
